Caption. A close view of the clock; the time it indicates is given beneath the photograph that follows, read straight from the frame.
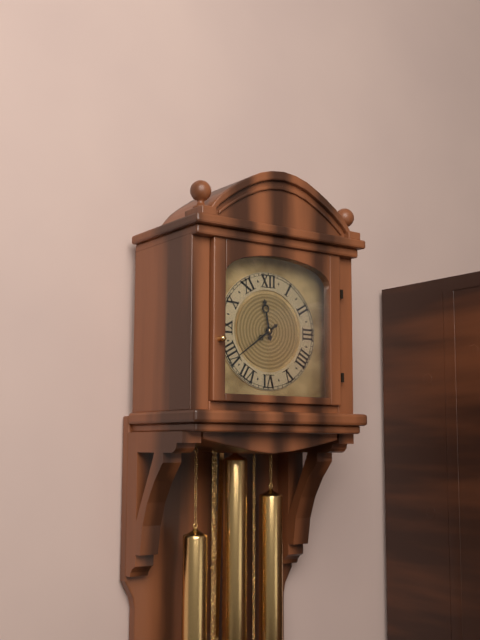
11:39
